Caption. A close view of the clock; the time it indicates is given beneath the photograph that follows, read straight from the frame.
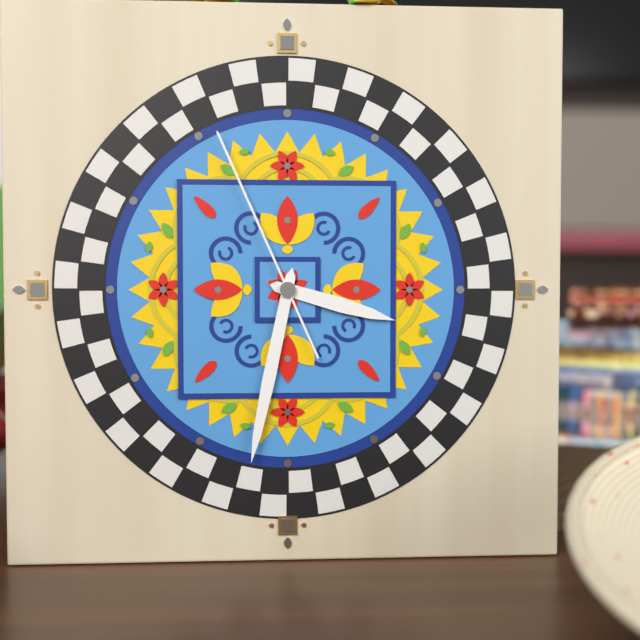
3:32:56
